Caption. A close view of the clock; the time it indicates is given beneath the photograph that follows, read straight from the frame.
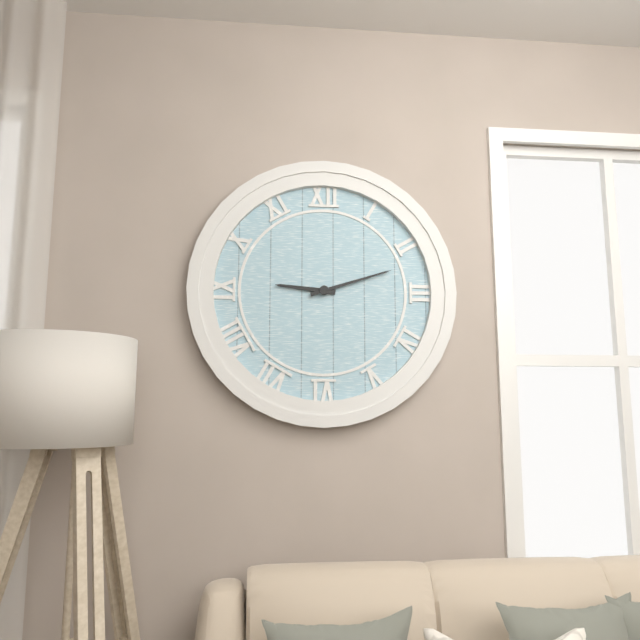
9:12
